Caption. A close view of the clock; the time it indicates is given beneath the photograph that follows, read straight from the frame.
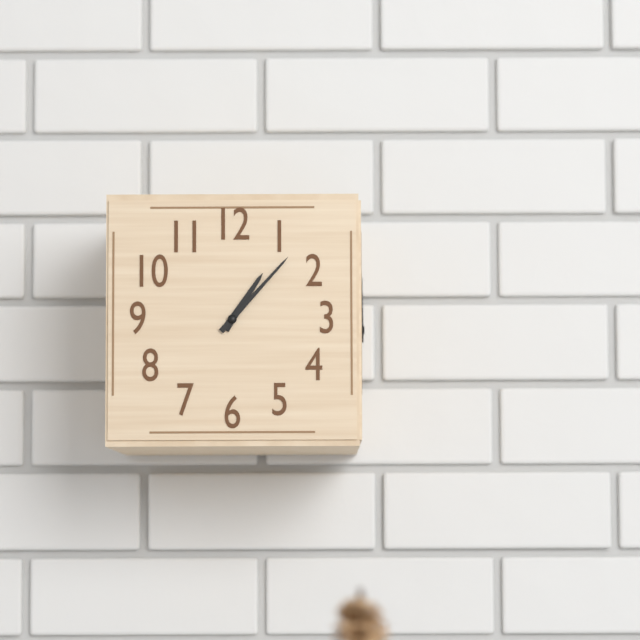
1:07
